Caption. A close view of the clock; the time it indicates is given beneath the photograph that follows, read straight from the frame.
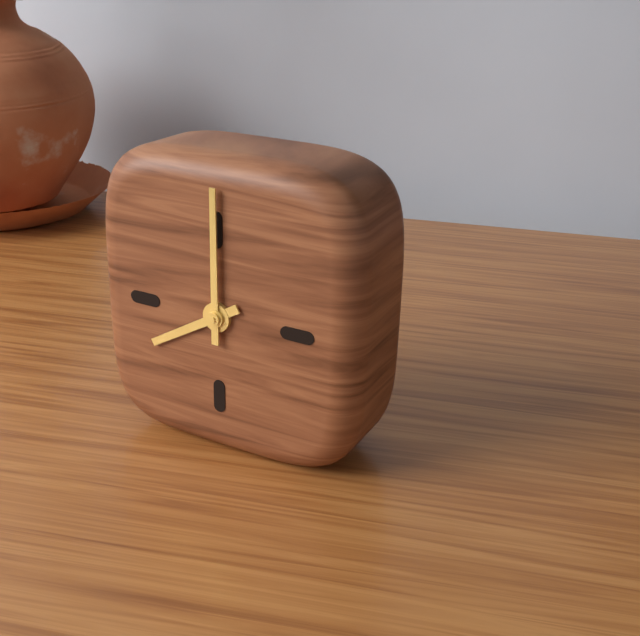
8:00
